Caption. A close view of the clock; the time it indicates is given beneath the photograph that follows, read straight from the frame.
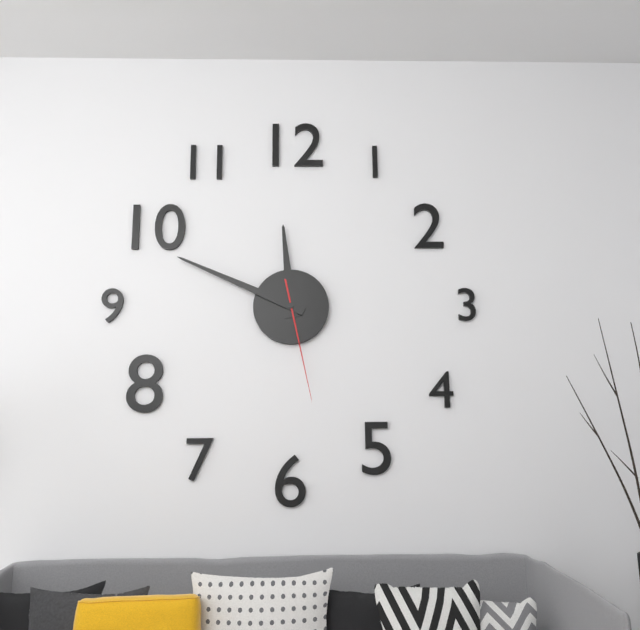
11:49:28
